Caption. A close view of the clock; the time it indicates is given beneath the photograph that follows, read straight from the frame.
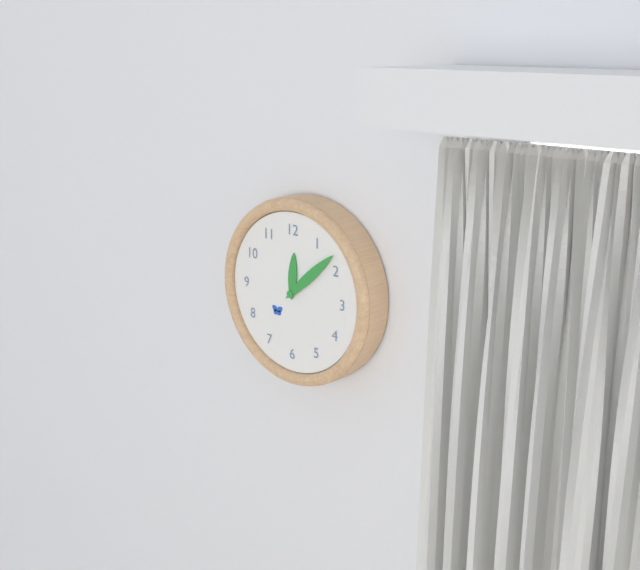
12:08
